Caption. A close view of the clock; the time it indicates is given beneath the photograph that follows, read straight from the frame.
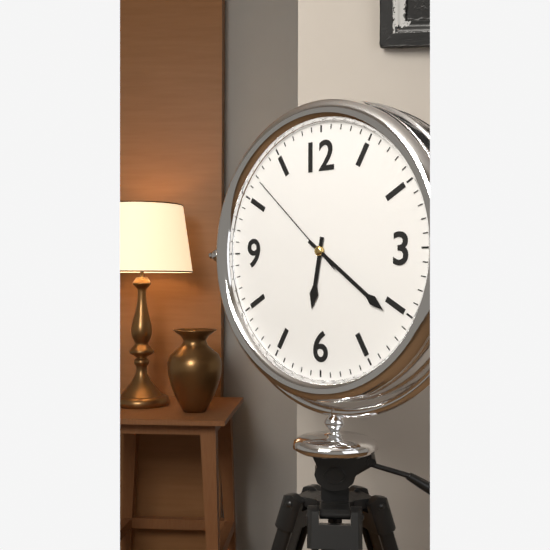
6:21:52
